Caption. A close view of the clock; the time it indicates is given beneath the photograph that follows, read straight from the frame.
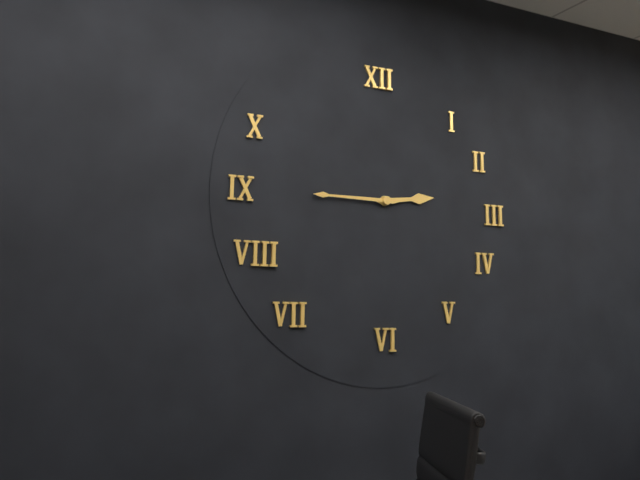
2:45
